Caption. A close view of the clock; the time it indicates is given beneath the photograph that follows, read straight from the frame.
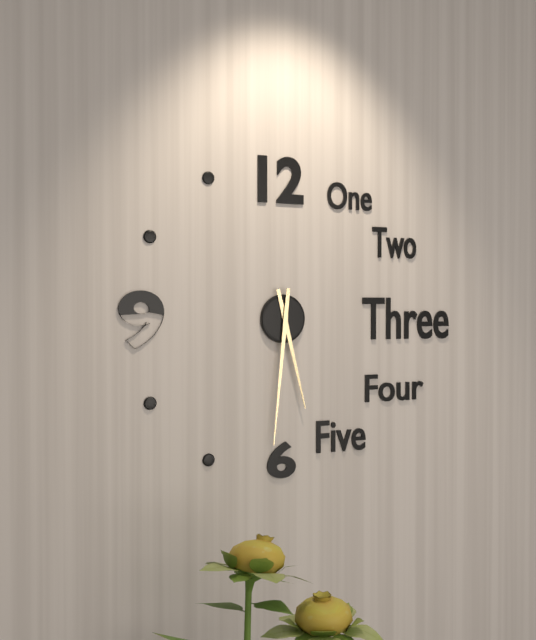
5:31
